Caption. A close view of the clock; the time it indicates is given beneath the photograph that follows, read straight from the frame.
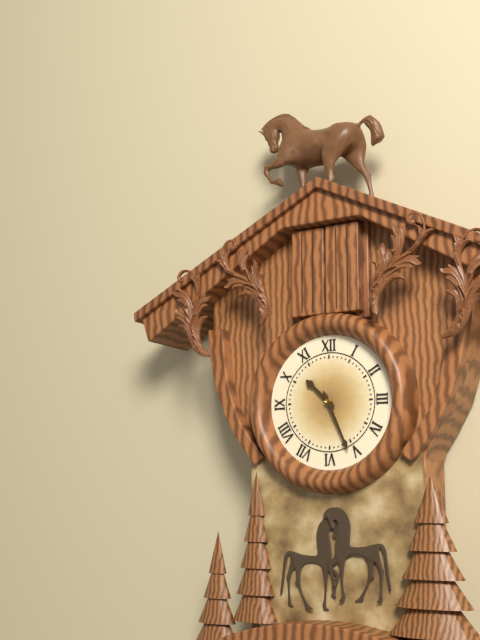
10:26
